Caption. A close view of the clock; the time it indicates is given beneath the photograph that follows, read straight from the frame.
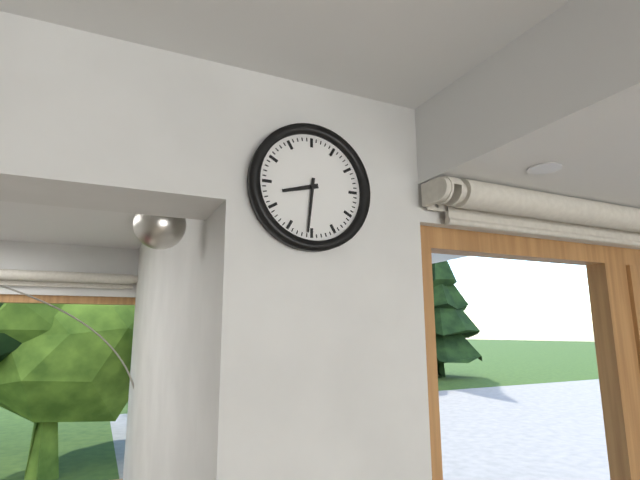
8:31
